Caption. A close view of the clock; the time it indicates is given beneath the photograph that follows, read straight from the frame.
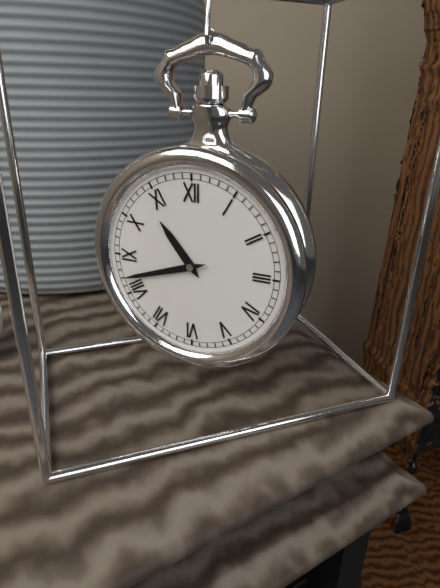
10:42
